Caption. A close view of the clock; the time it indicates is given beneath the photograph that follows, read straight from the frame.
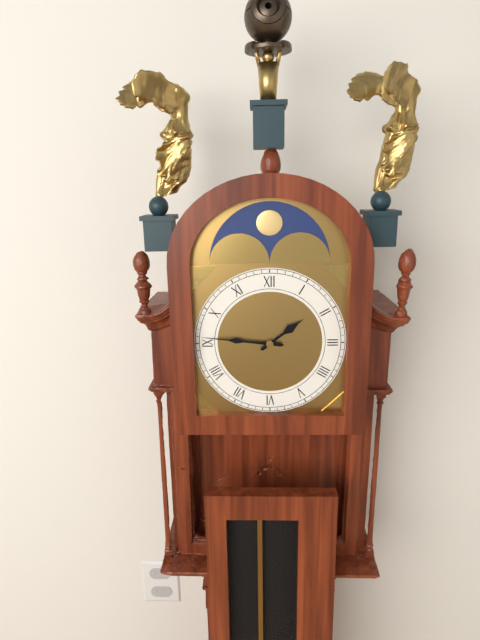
1:46
